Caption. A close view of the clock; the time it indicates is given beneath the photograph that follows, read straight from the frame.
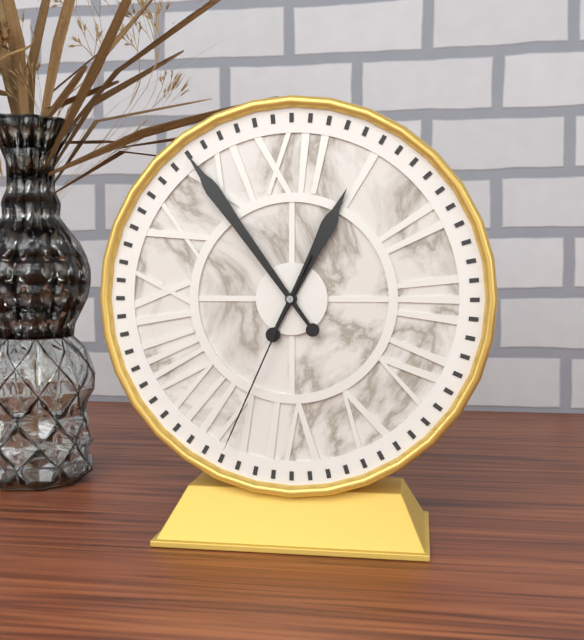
12:54:34
